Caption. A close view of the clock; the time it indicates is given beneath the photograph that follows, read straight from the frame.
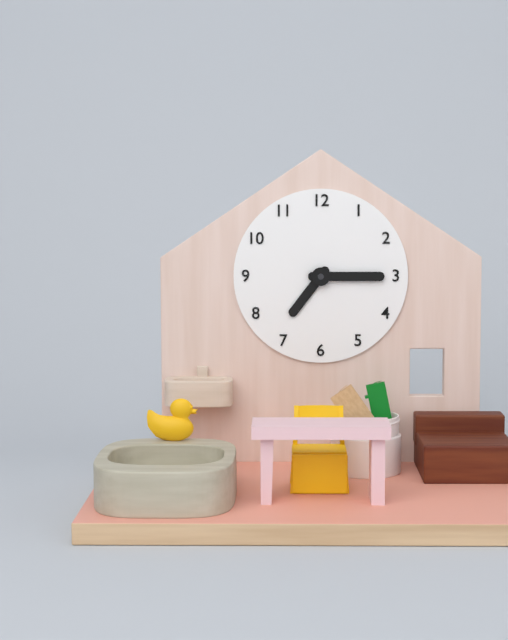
7:15
